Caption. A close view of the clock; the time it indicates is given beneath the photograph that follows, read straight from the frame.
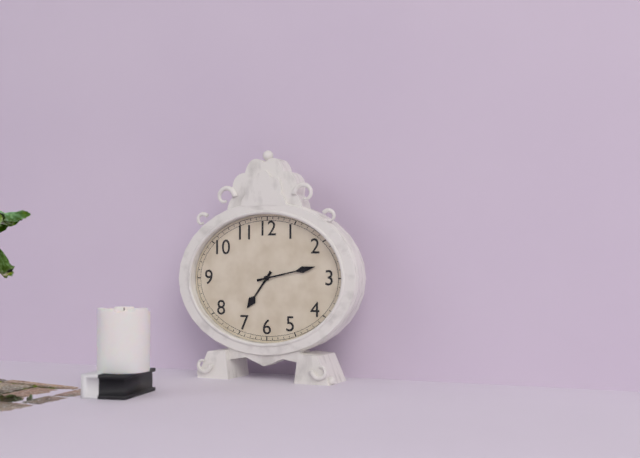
7:13
